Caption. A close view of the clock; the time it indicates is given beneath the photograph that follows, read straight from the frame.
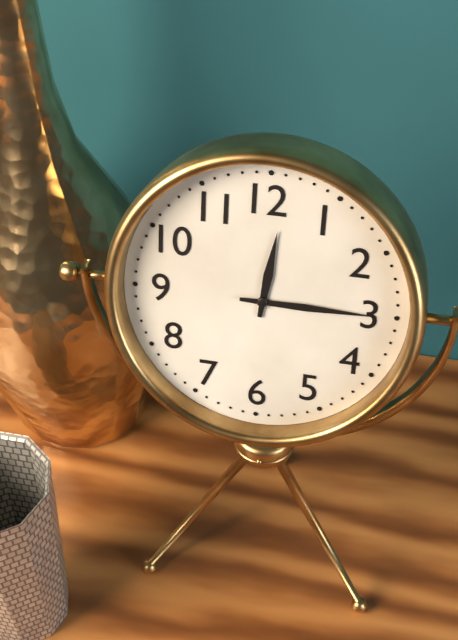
12:15
